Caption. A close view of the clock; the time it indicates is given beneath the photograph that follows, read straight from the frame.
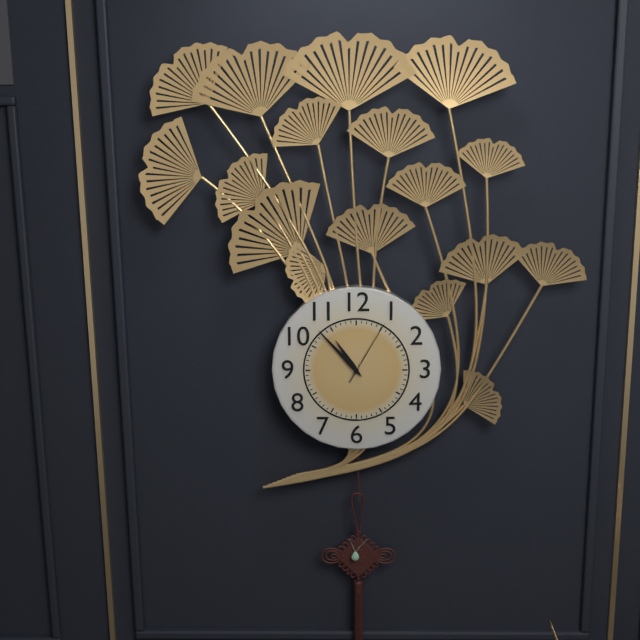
10:53:05
